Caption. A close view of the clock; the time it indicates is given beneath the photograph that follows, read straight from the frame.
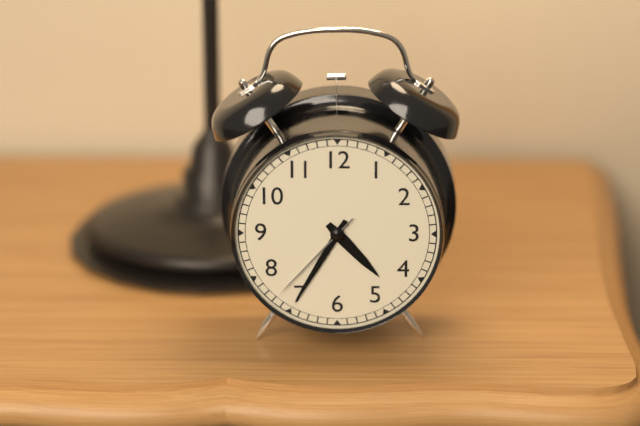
4:35:37
